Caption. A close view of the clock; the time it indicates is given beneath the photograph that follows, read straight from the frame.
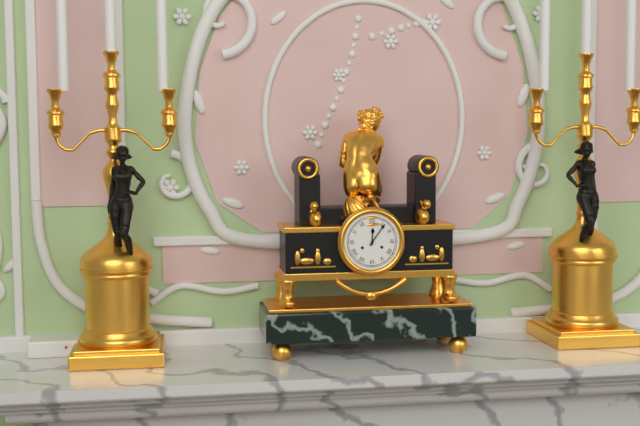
12:06
